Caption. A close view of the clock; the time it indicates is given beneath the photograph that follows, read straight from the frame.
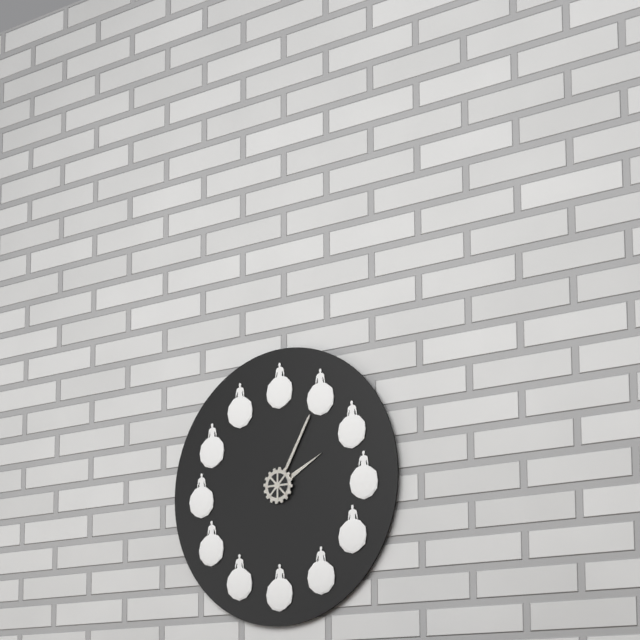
2:05
